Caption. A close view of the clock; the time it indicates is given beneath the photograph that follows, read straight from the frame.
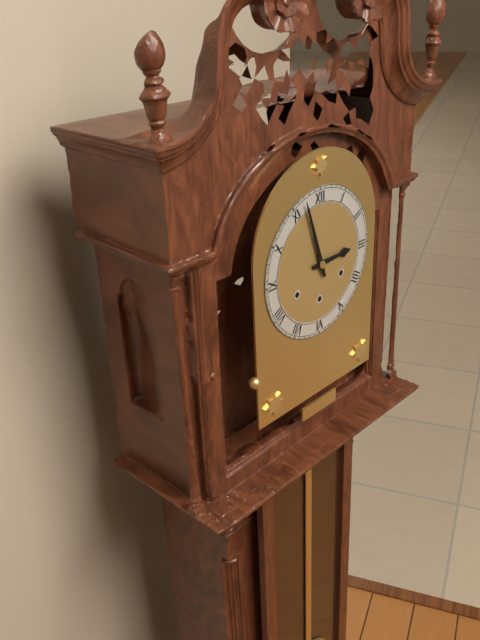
2:57
